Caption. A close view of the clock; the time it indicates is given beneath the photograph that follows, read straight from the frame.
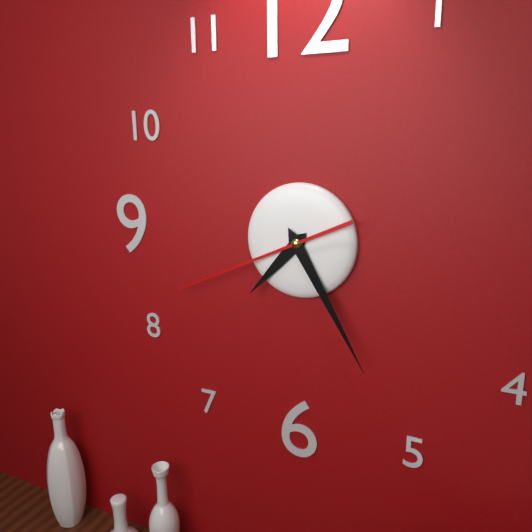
7:25:41
